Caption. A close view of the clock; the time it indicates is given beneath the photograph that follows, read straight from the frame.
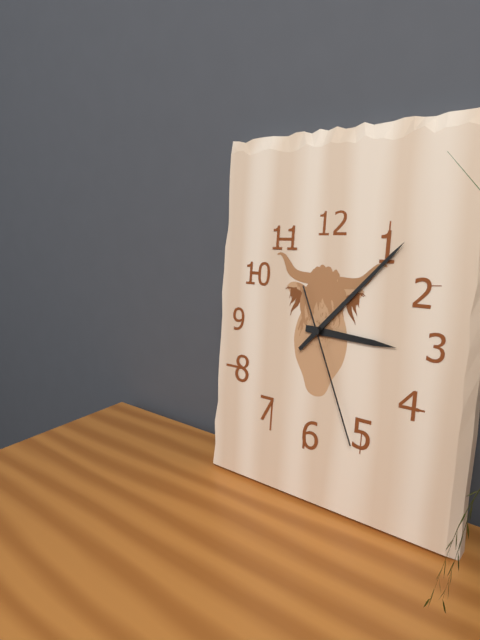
3:07:26
